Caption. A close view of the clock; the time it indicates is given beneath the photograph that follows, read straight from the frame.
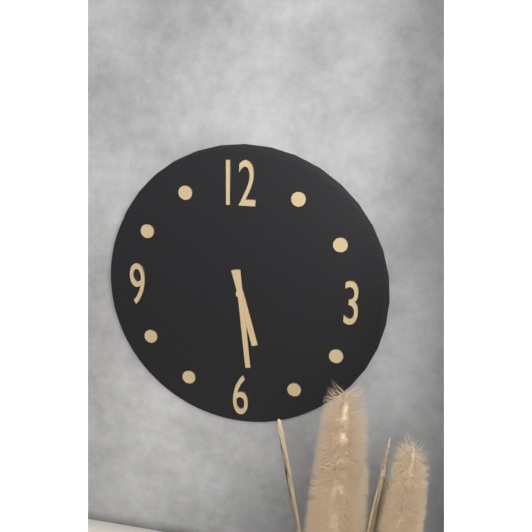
5:29
